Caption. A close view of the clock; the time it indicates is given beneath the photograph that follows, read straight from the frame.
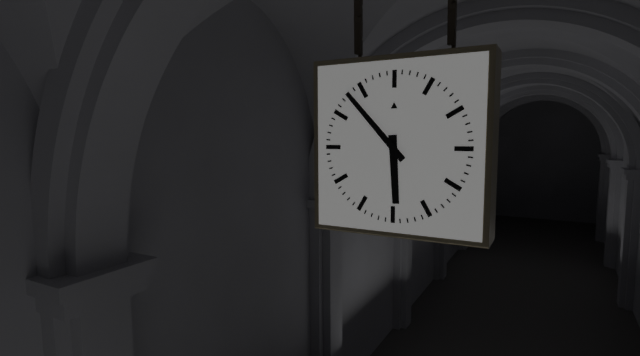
5:53
